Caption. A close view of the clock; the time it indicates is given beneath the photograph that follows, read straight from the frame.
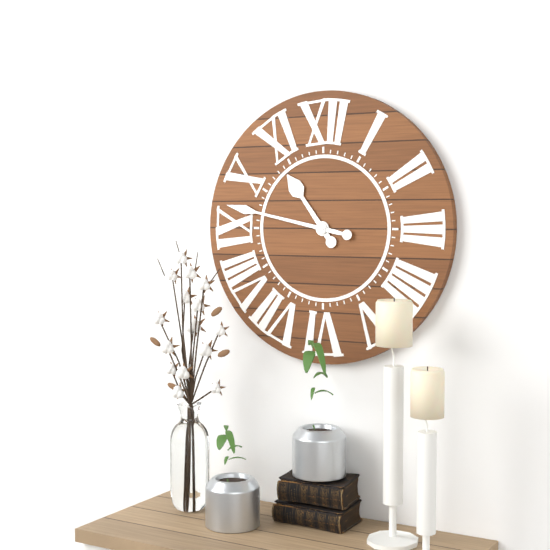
10:47
